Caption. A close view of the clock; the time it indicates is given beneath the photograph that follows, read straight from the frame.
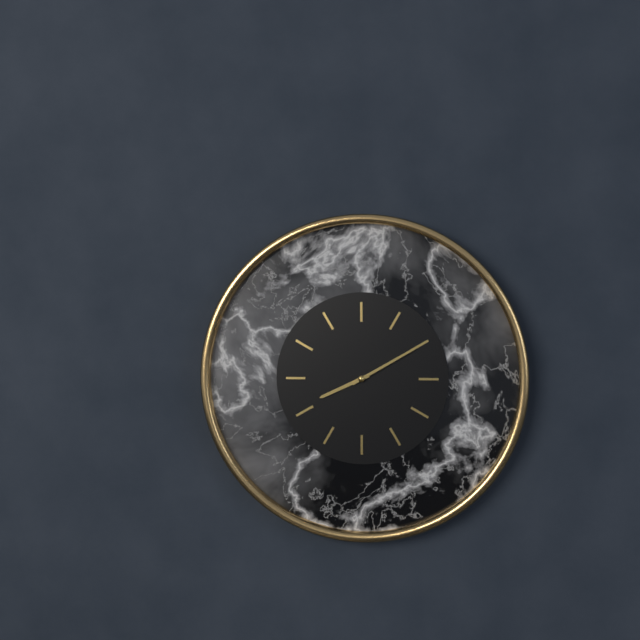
8:10
